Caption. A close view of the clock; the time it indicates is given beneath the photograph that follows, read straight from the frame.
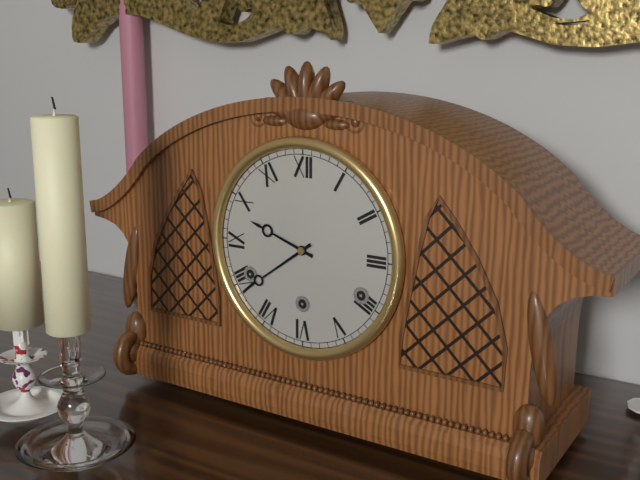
9:39
